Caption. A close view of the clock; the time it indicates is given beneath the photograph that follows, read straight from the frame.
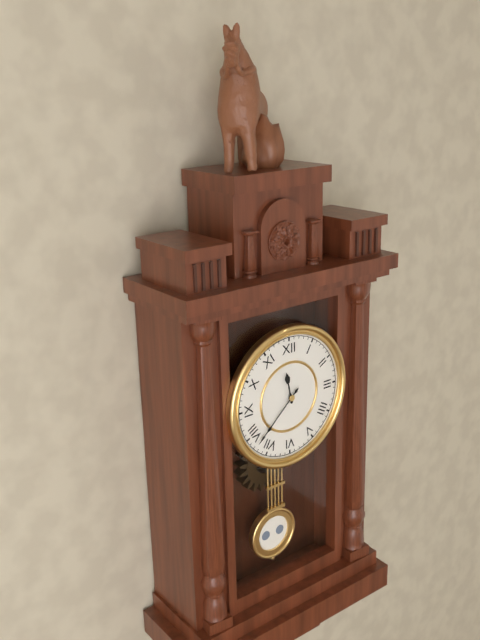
11:38
